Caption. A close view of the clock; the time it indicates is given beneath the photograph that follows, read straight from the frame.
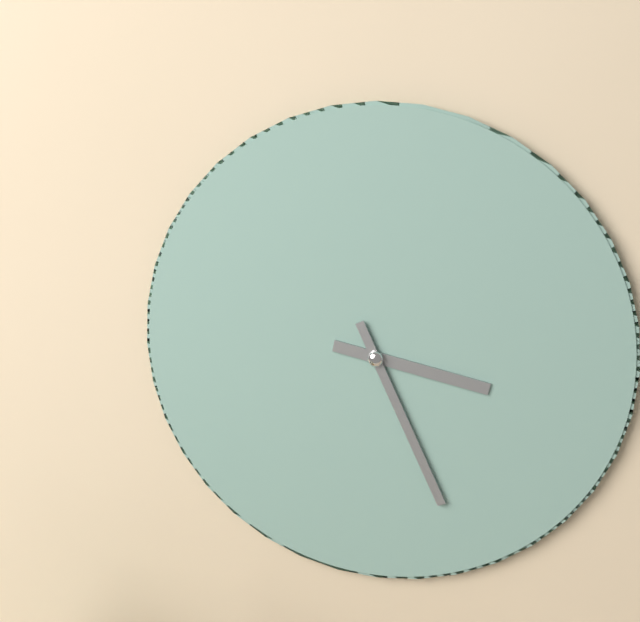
3:26
